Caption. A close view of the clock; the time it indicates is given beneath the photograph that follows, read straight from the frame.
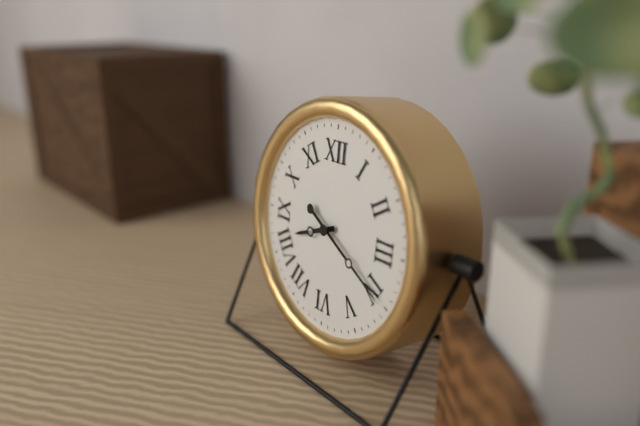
8:20
